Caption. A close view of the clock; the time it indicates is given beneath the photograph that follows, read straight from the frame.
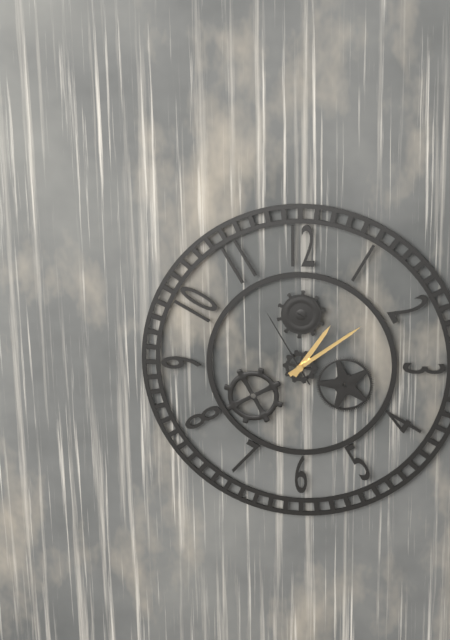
1:09:55
